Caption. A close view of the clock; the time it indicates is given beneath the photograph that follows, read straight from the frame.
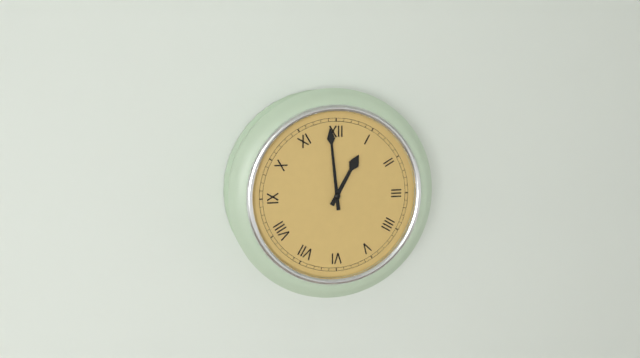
12:59
